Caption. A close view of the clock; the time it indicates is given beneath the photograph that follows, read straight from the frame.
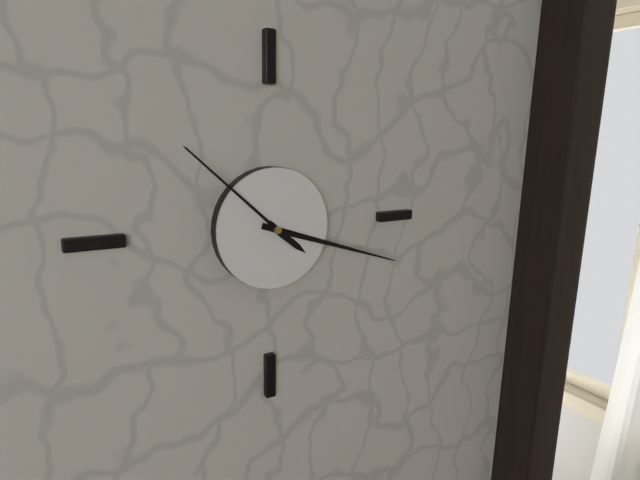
4:18:52
